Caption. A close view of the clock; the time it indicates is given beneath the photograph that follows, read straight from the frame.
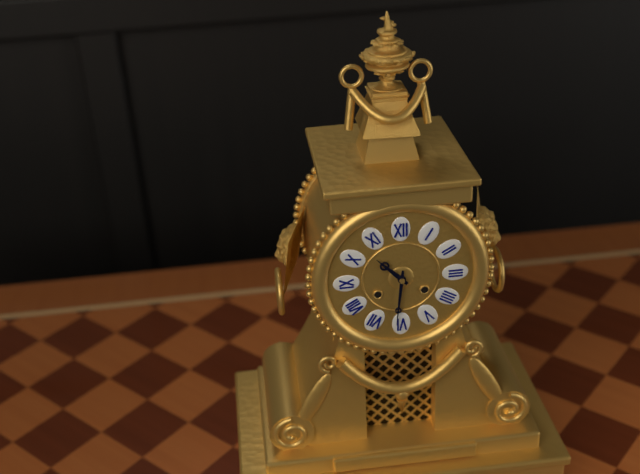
10:31
